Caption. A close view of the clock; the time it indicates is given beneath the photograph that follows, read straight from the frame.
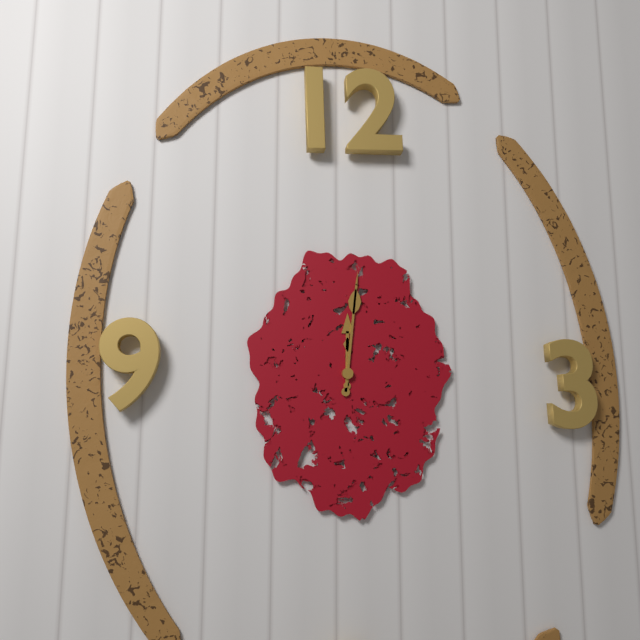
12:01
